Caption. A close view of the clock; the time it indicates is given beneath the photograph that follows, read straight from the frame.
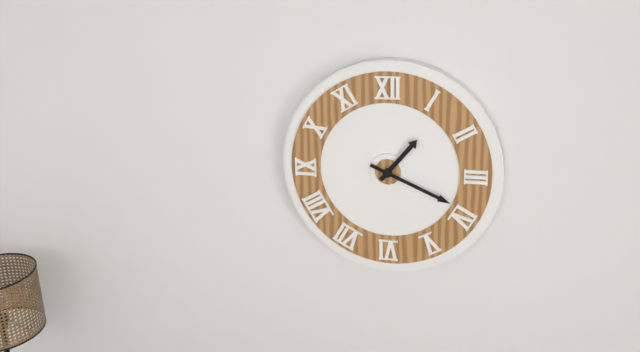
1:19
